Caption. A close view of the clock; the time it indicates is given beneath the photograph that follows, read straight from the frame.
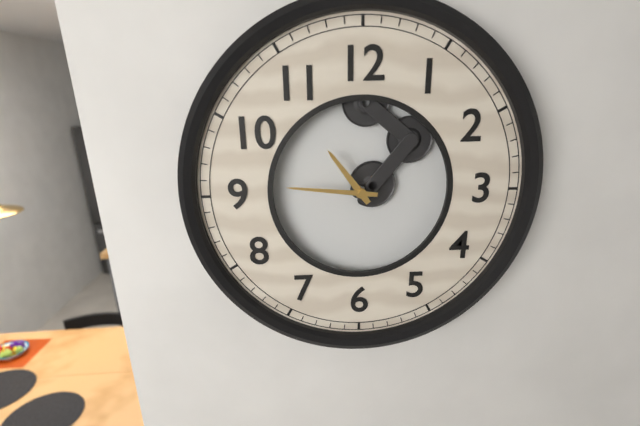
10:46
